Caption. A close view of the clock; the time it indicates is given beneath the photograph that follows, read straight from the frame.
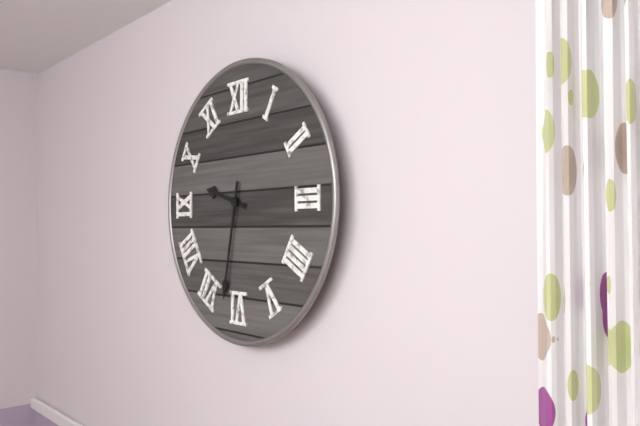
9:32
